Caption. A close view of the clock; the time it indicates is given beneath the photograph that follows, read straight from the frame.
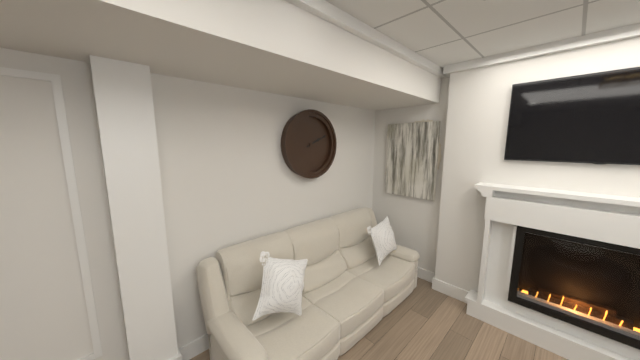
2:11
